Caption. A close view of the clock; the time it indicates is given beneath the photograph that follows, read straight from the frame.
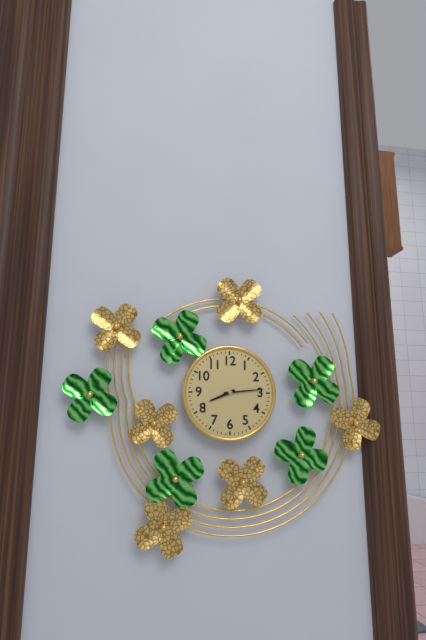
8:14
